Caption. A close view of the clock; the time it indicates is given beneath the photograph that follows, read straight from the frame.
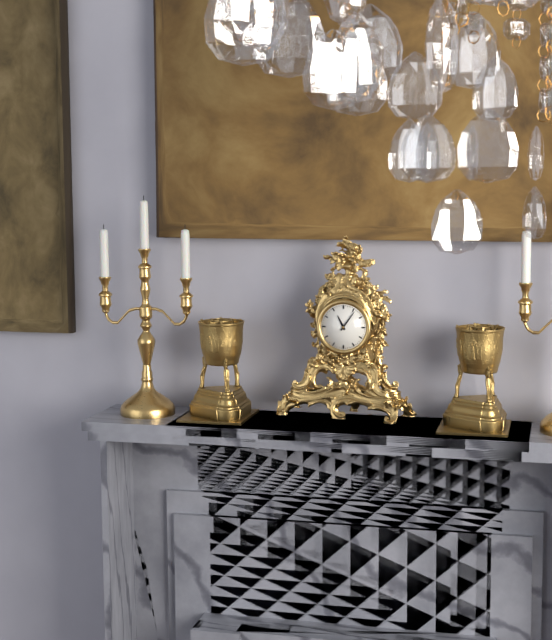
11:06
